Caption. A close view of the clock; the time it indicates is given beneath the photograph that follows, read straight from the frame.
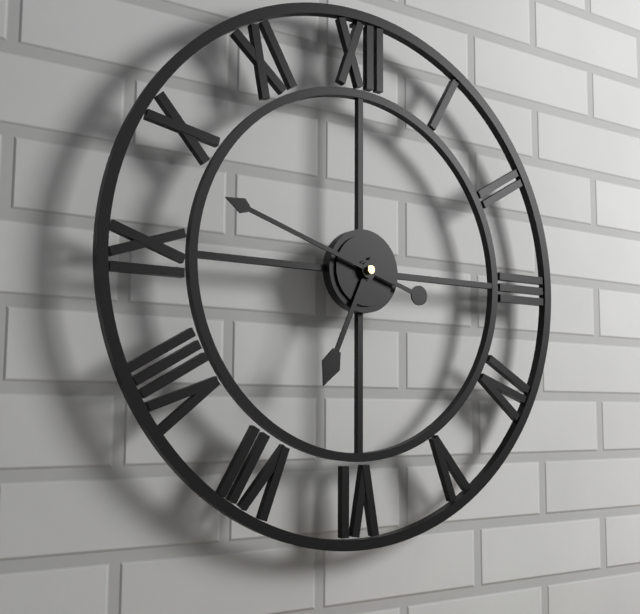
6:48
